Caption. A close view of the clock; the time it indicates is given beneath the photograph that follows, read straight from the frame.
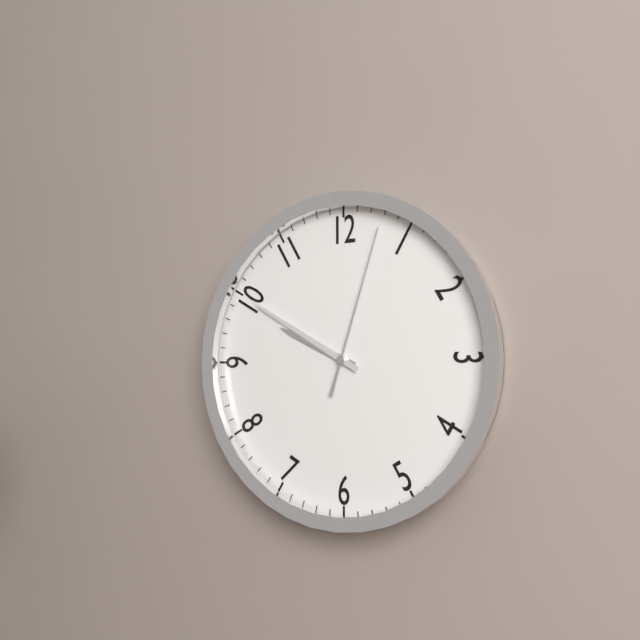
9:50:03
